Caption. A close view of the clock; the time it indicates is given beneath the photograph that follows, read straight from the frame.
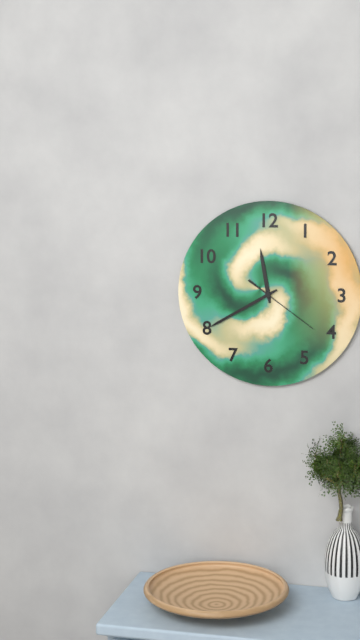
11:40:21
